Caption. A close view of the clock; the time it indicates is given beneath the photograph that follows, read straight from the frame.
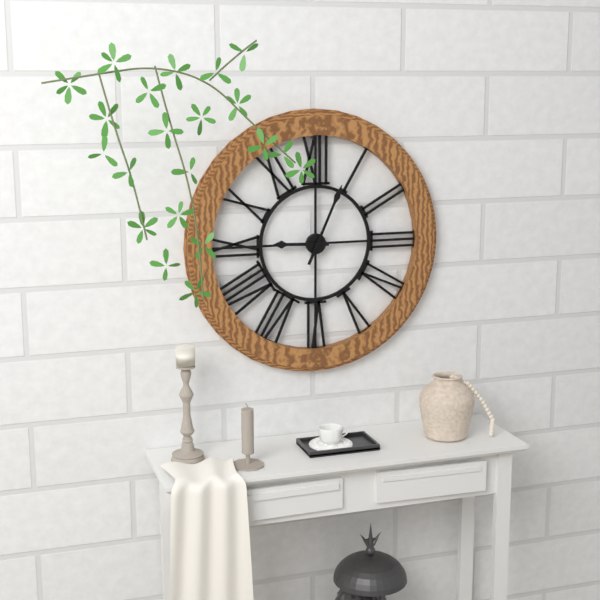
9:04
